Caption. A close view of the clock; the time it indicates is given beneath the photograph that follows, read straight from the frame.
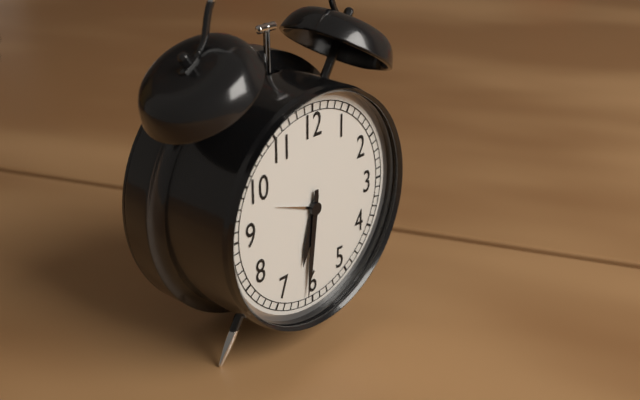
6:31
